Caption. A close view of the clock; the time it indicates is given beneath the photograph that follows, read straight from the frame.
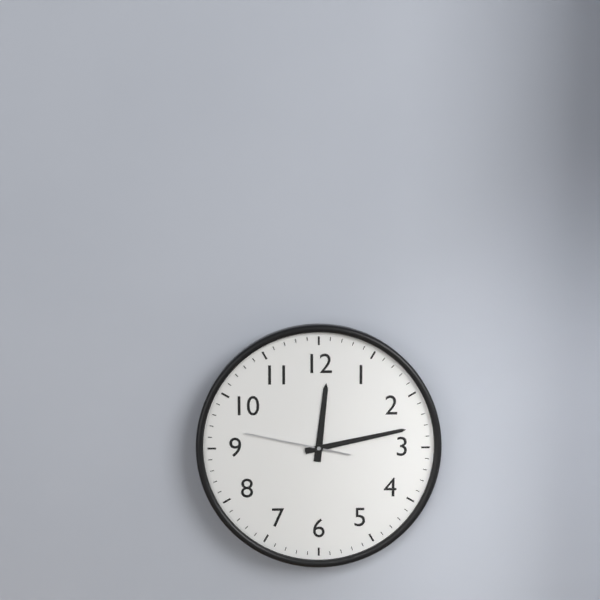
12:13:47
